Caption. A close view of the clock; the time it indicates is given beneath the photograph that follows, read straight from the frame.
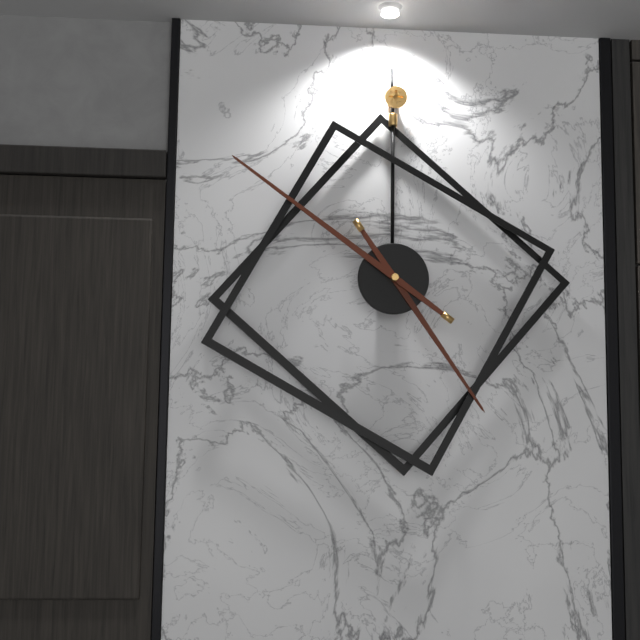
4:51
